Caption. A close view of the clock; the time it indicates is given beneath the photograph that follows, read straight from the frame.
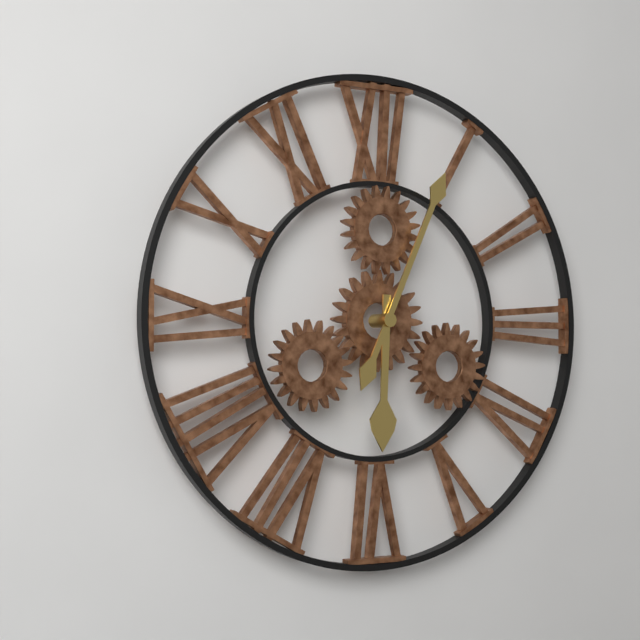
6:04
